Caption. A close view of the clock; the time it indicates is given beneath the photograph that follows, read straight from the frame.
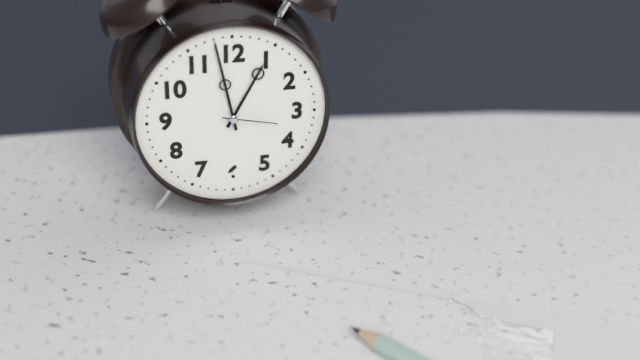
12:58:17
